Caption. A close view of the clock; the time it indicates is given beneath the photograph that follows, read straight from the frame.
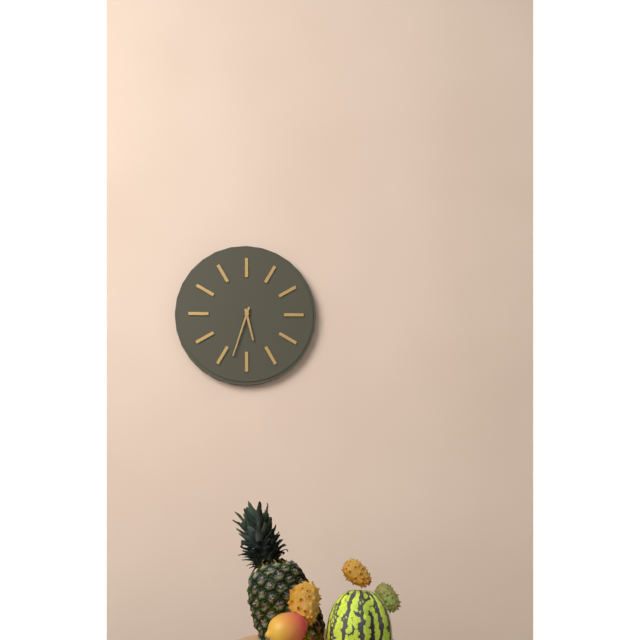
5:33
